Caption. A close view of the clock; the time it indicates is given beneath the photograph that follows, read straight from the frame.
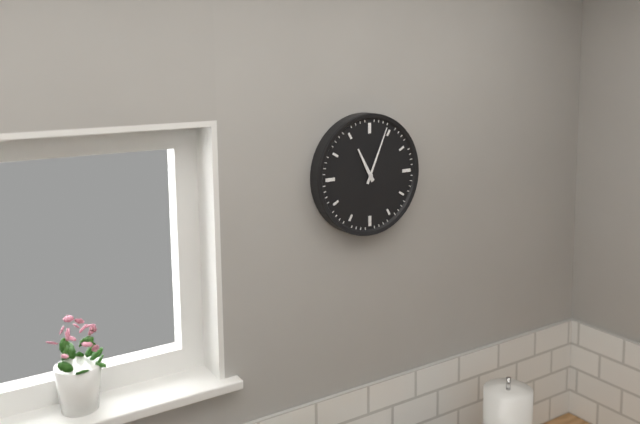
11:04
